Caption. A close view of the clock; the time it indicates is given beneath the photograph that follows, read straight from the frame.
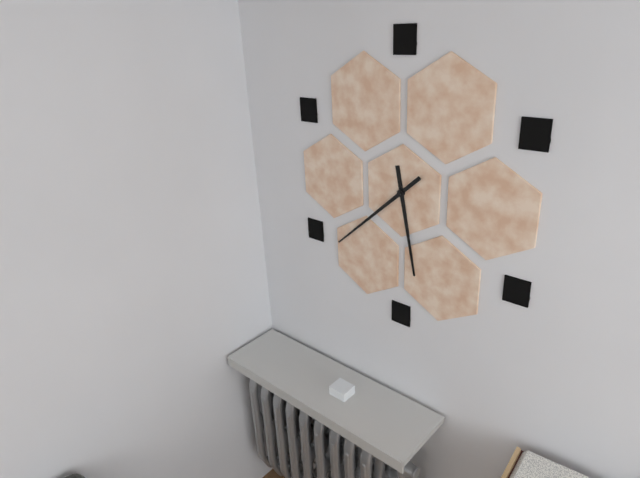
5:38
